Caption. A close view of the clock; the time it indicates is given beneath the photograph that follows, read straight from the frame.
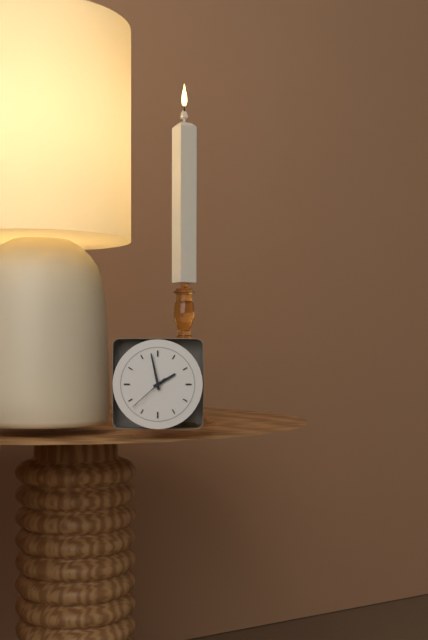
1:58
